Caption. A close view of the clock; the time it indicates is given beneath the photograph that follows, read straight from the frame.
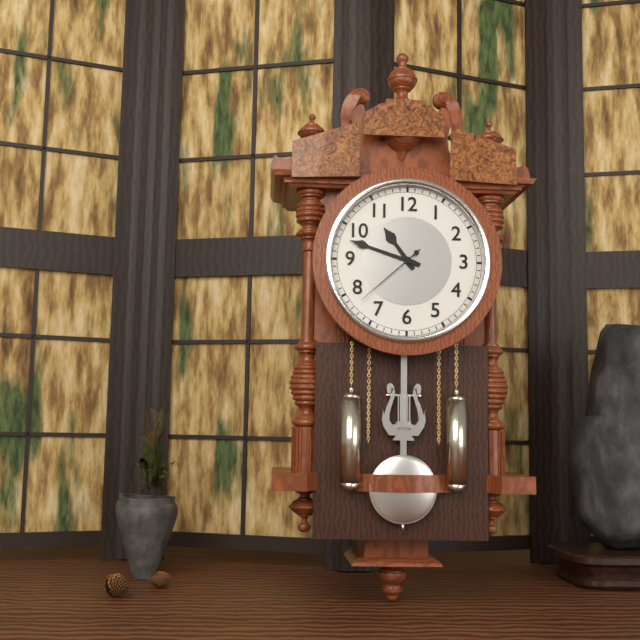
10:48:38
